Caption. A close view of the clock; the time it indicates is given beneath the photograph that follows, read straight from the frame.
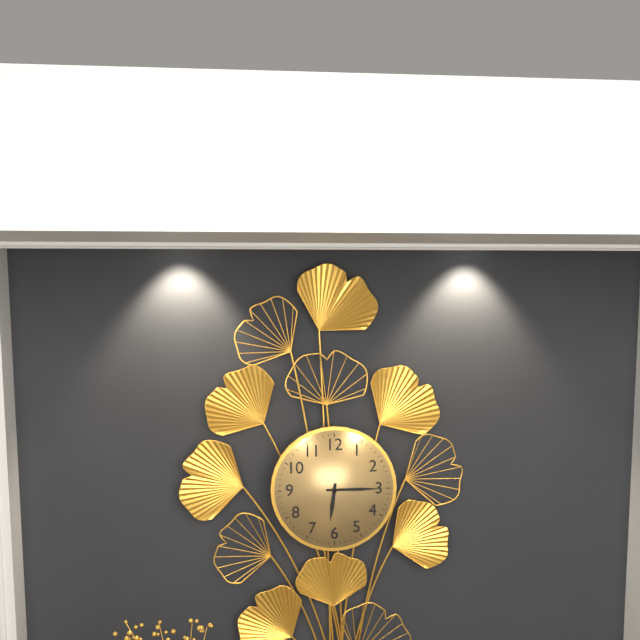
6:15
